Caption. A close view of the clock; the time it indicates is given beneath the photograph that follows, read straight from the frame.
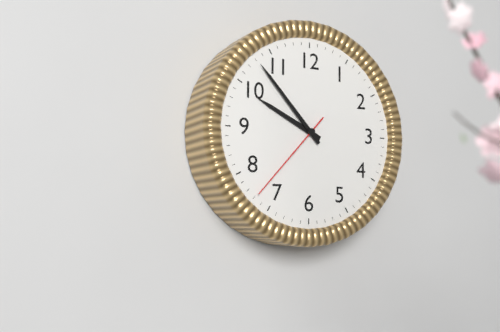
9:53:37
